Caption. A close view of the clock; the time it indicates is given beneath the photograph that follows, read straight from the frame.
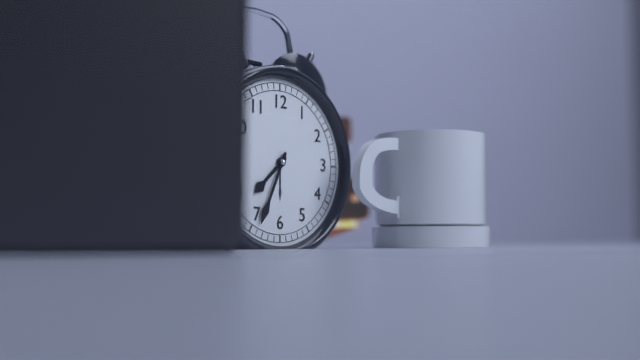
7:34
